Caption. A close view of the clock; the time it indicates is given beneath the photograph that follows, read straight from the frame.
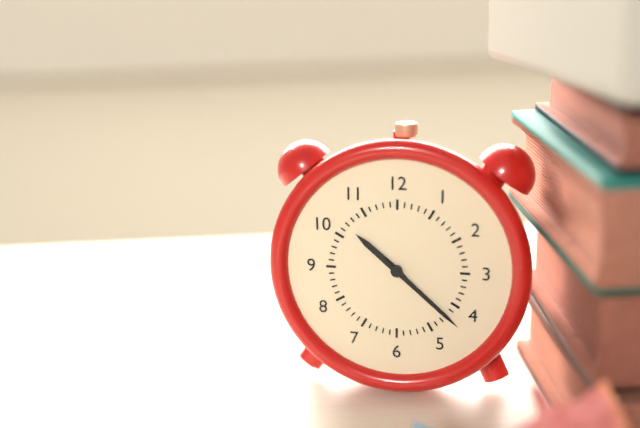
10:22
